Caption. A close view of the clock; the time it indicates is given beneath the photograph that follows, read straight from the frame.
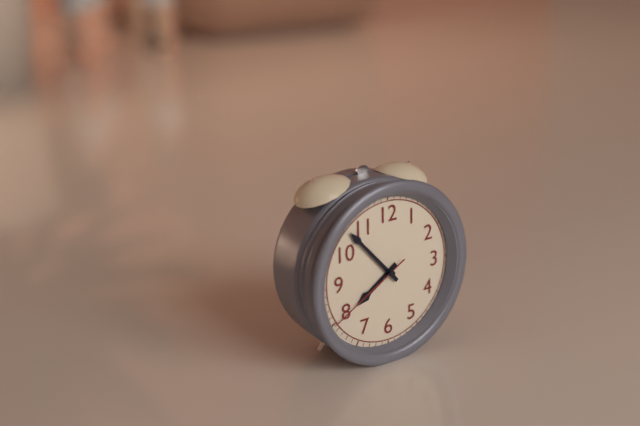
7:53:40
